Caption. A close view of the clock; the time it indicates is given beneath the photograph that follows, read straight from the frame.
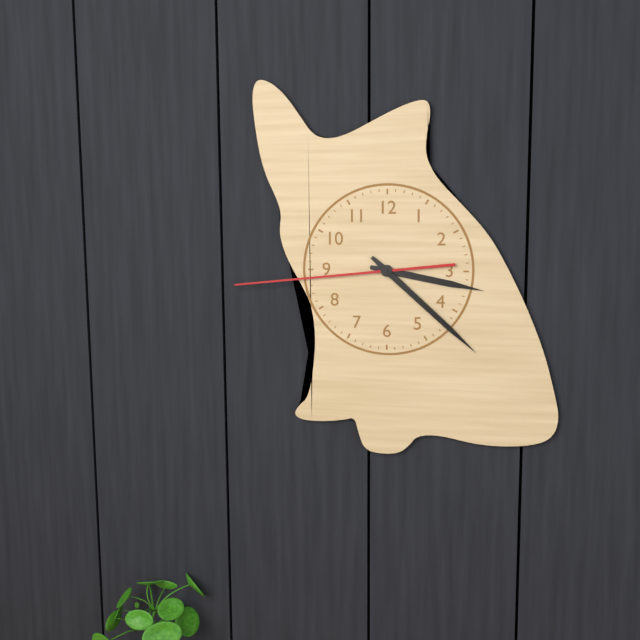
3:22:44
